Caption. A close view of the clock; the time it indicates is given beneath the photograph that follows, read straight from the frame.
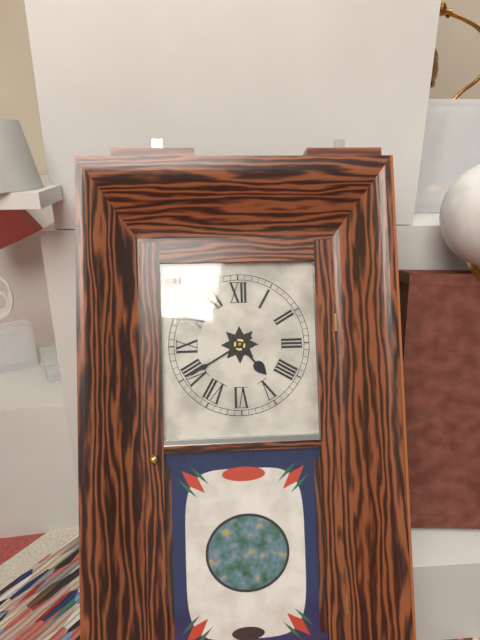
4:40
